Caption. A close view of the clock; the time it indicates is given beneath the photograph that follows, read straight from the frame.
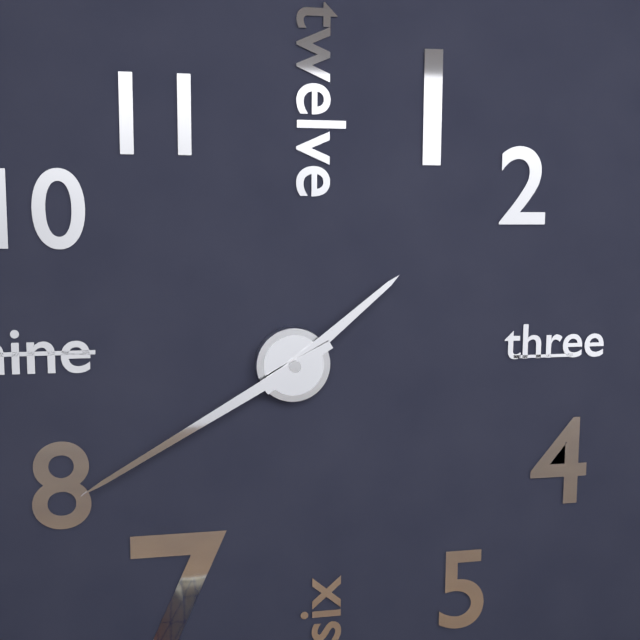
1:40
